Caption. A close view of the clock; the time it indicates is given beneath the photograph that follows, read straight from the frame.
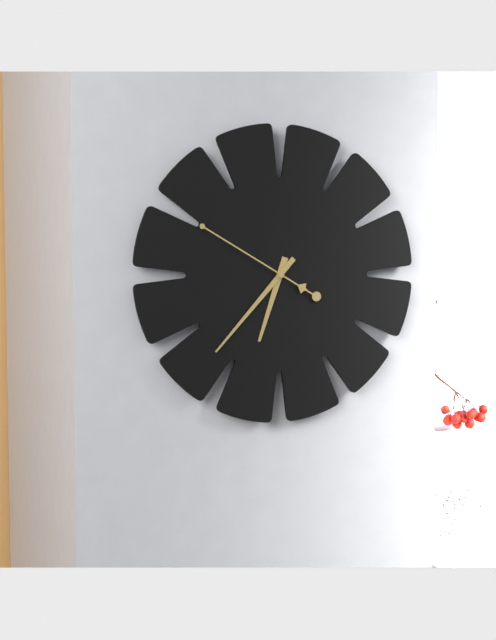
6:37:50
